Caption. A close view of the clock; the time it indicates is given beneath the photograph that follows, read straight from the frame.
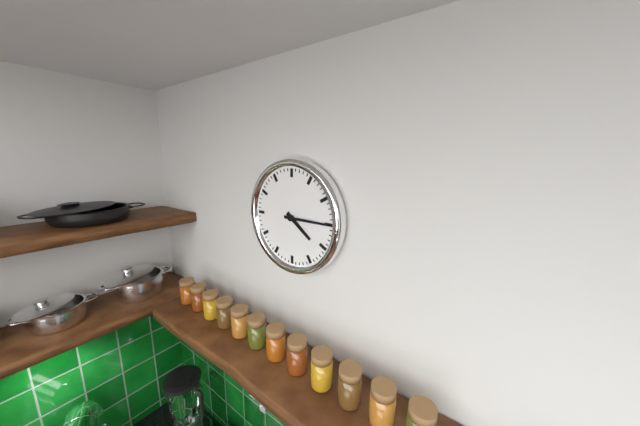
4:15
